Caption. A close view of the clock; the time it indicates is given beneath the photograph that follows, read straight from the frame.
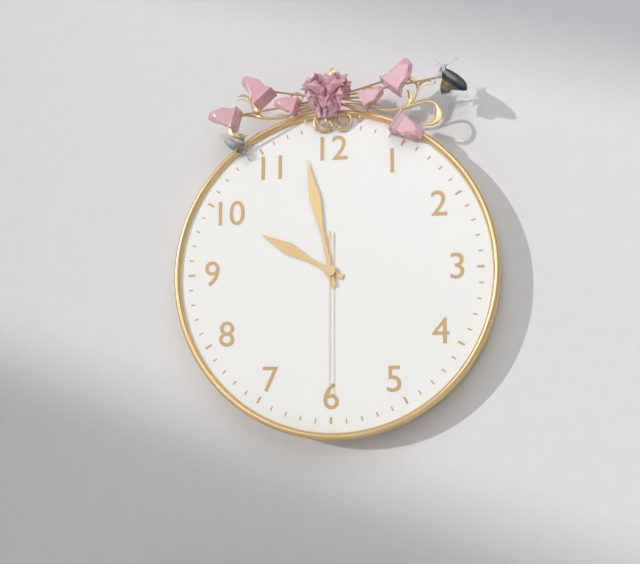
9:58:30
